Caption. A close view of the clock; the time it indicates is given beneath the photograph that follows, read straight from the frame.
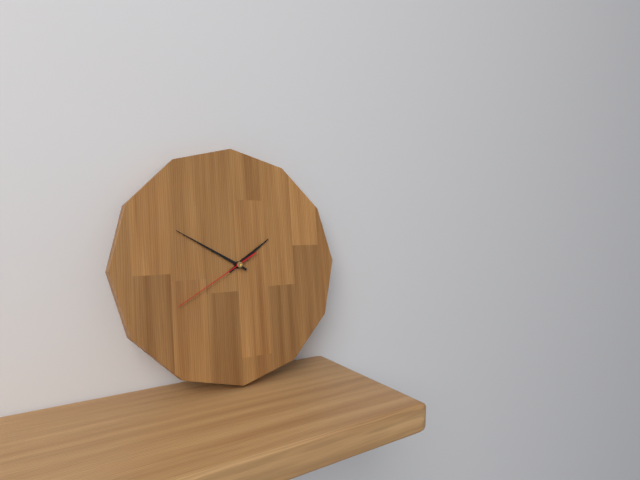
1:50:40
